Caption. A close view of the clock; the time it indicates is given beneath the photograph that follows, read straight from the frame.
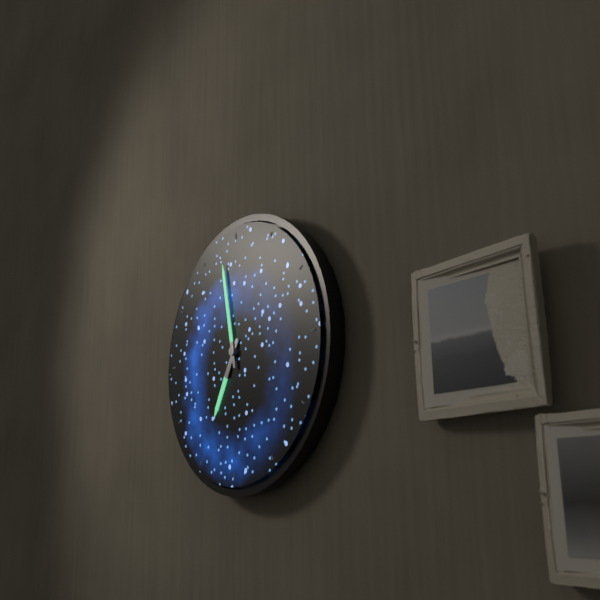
6:58
